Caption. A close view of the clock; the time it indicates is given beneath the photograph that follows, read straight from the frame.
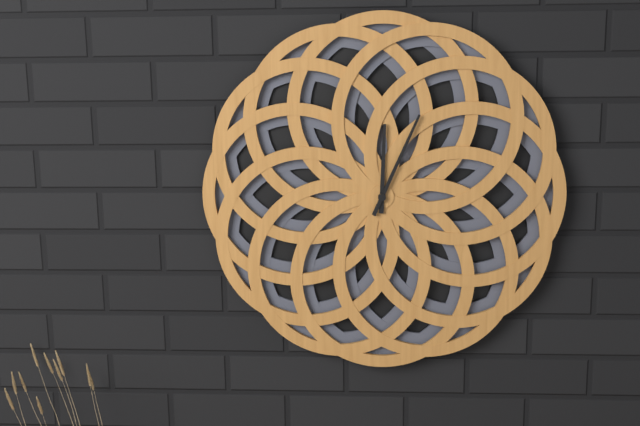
12:04
